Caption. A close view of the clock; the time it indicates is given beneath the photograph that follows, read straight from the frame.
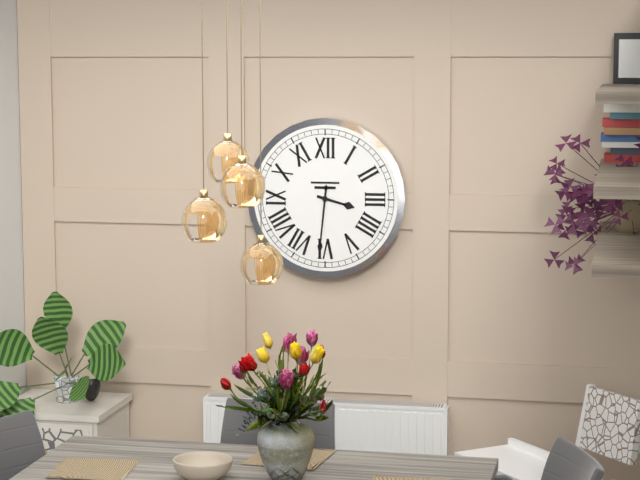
3:31
